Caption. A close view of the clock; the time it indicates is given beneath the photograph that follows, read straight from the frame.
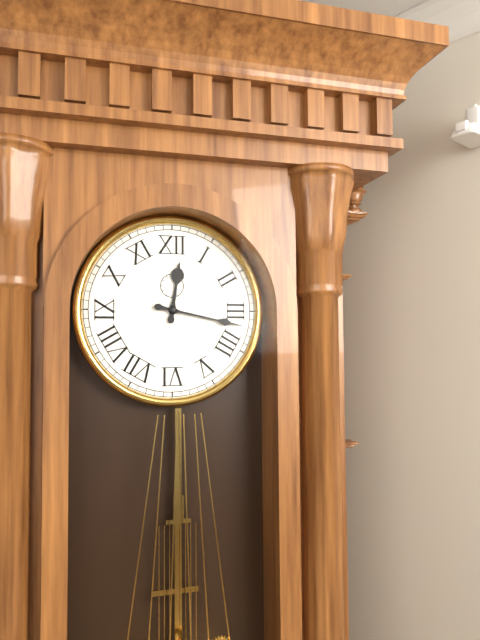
12:17
